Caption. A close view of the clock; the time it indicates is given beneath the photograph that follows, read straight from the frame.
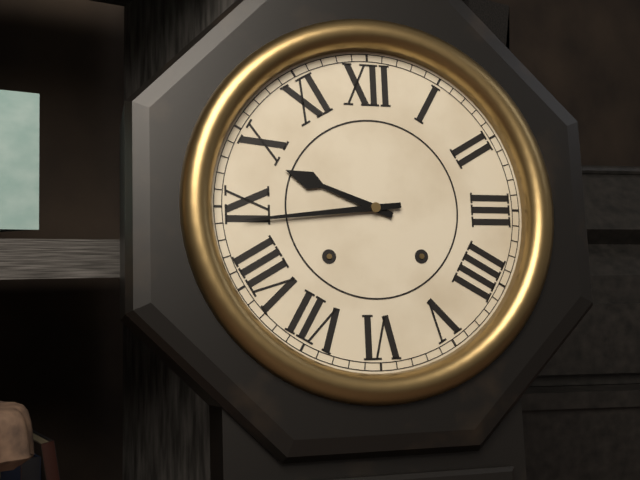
9:44
